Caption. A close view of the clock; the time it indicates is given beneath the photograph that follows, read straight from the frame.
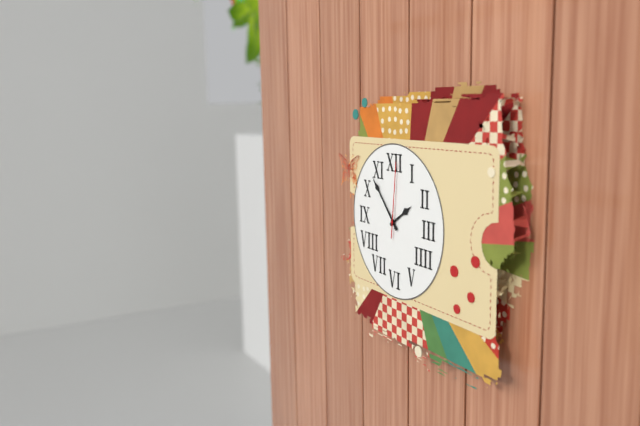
1:53:01
